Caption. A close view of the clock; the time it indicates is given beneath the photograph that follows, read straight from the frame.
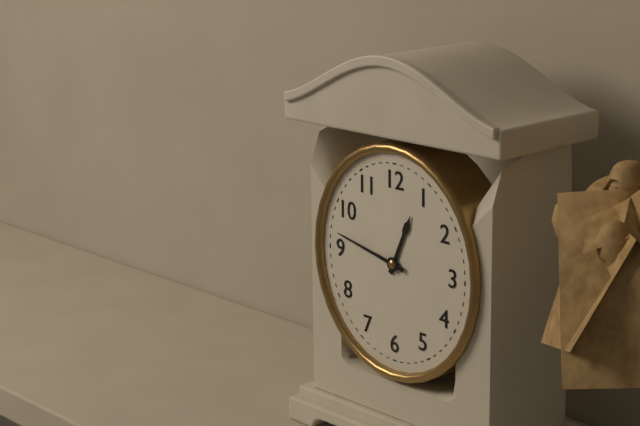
12:47
